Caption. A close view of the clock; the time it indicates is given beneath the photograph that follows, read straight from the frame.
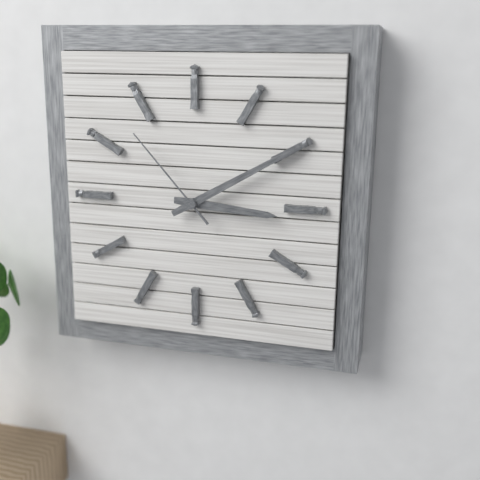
3:10:53
